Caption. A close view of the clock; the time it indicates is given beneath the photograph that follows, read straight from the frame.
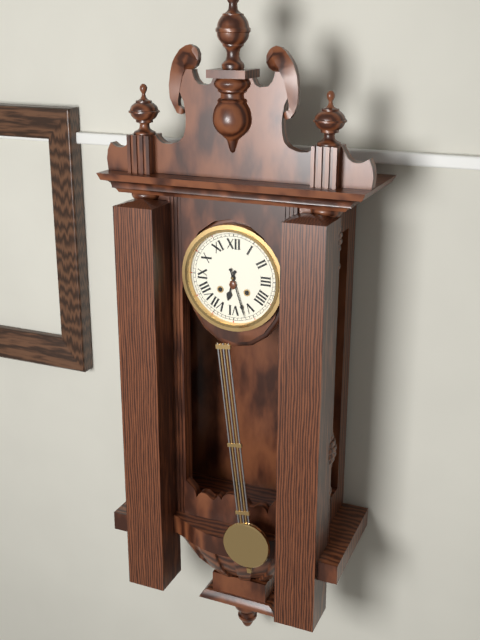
6:27
